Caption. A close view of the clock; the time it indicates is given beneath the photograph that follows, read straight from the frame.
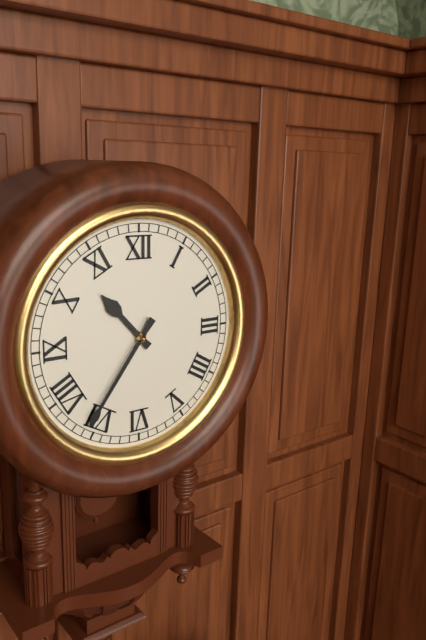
10:36
